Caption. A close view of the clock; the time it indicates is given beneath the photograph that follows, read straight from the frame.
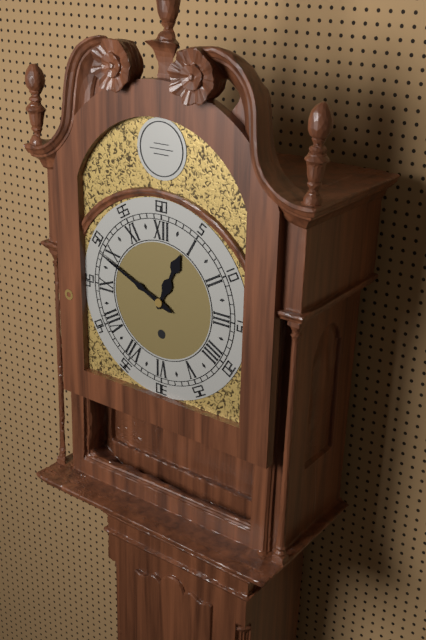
12:49
